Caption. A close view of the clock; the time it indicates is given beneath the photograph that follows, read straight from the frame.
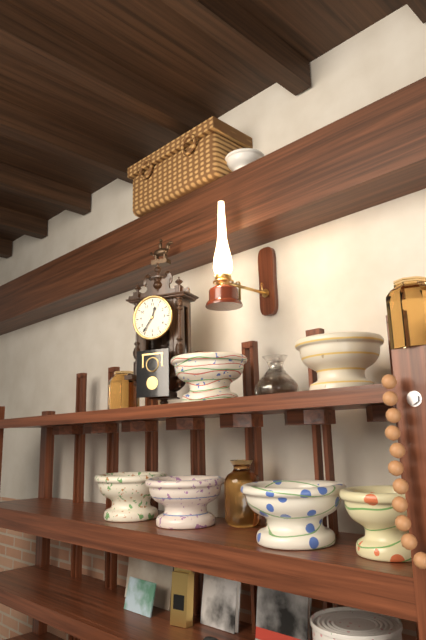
12:36
